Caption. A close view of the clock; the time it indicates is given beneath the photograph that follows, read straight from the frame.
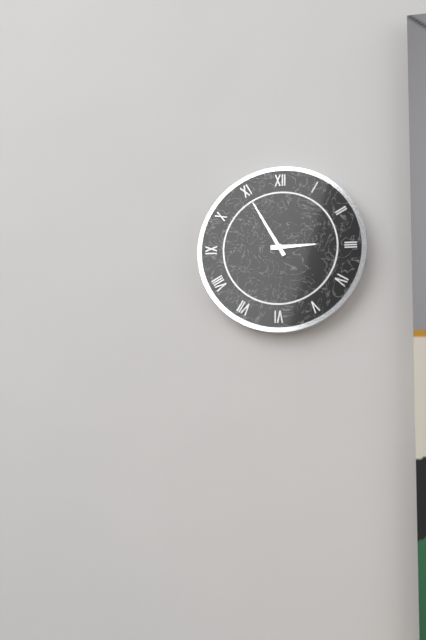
2:55
